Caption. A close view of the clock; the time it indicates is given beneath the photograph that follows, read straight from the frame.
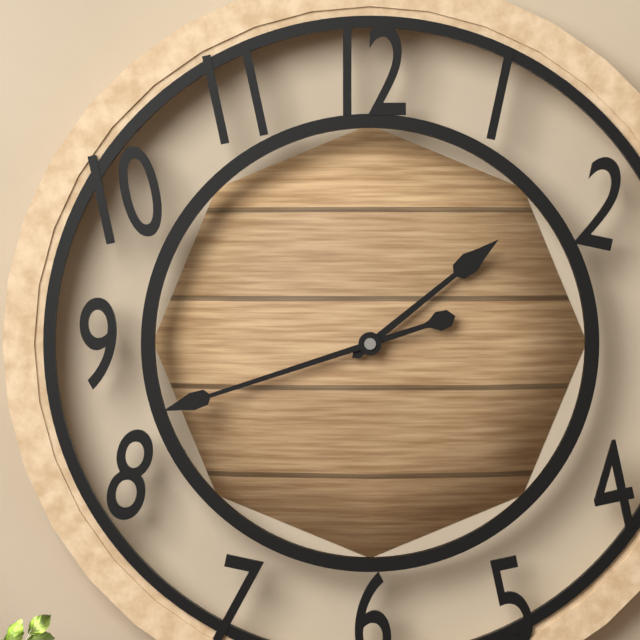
1:42
